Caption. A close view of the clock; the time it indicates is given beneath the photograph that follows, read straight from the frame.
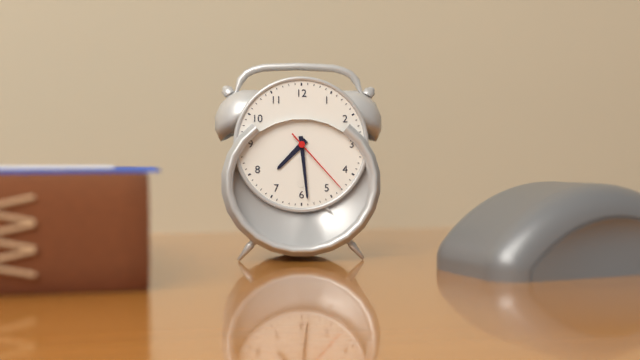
7:29:23
